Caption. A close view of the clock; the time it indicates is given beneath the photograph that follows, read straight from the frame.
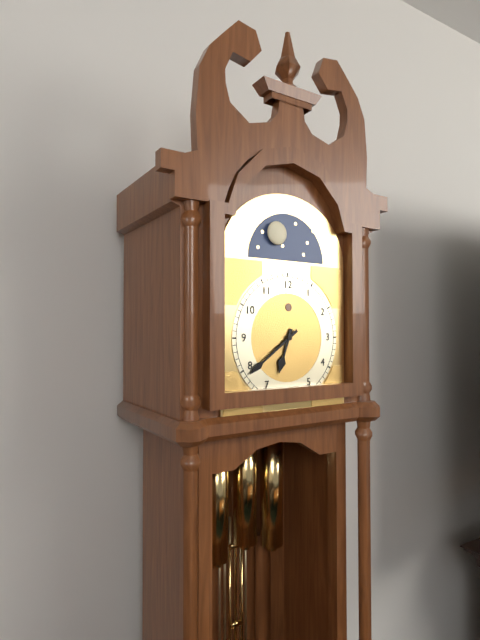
6:39
